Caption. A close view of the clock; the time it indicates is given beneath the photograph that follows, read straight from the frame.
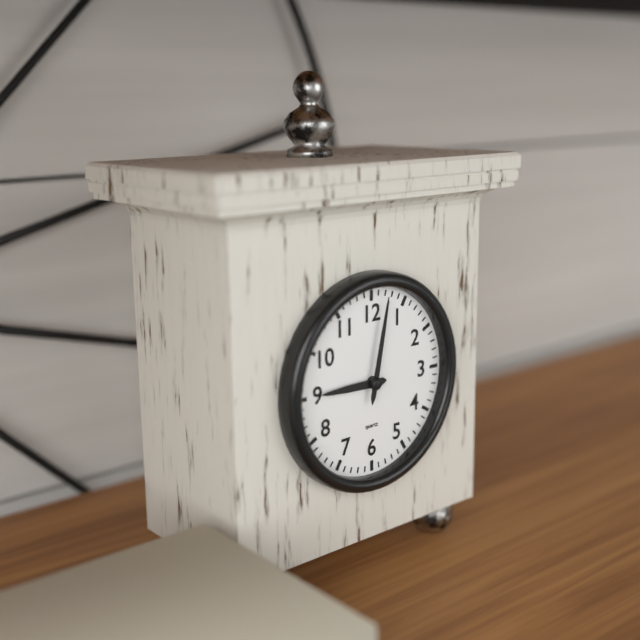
9:02
